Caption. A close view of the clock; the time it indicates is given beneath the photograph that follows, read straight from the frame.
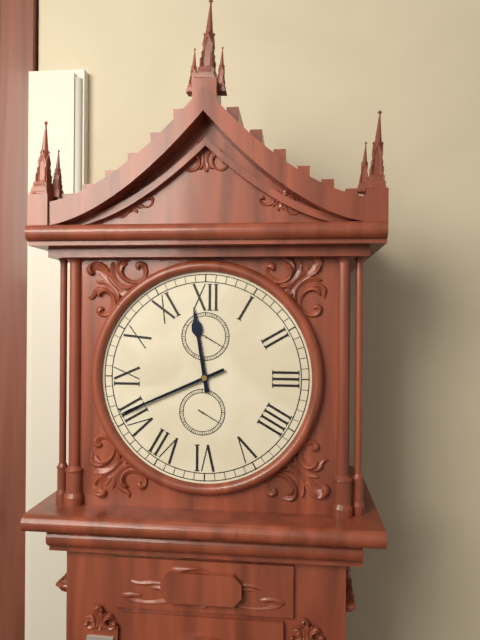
11:41
